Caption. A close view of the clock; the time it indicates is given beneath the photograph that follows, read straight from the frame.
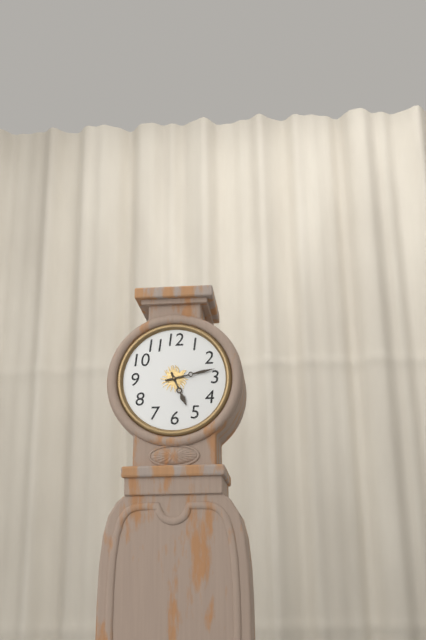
5:13
